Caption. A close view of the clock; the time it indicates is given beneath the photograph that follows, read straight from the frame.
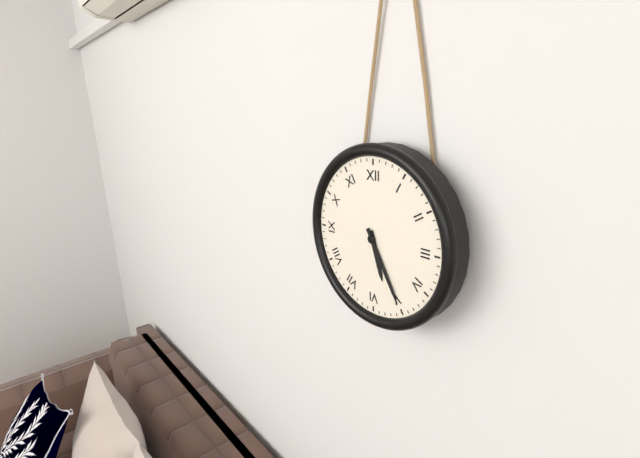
5:25
